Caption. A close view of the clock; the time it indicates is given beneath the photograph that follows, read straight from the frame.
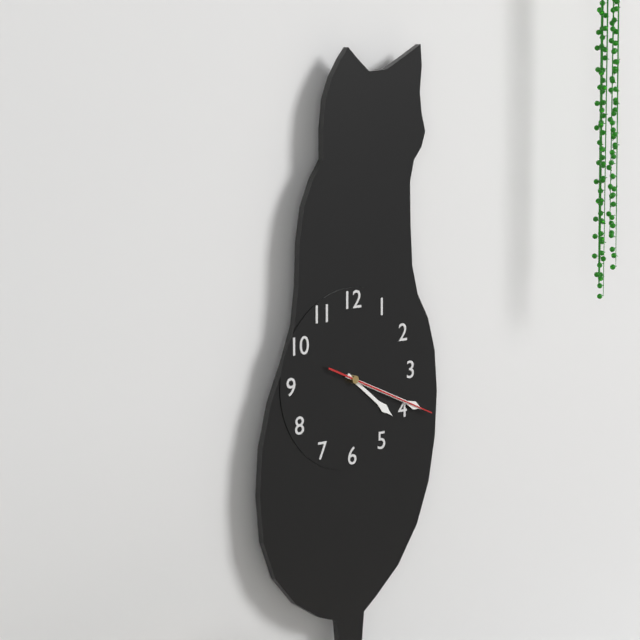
4:19:19
